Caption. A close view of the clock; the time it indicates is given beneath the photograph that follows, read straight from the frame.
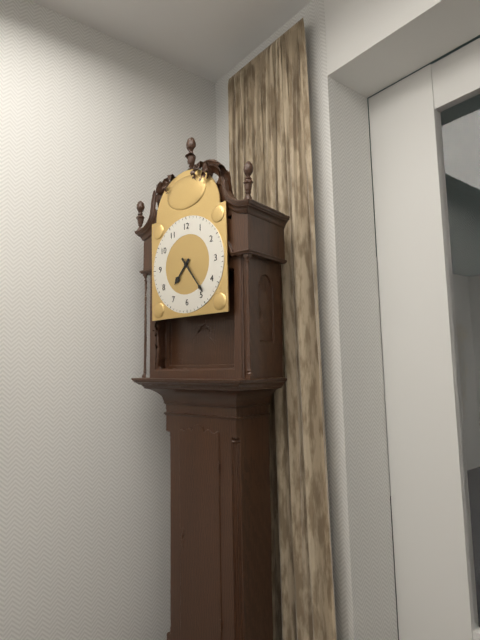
7:24
